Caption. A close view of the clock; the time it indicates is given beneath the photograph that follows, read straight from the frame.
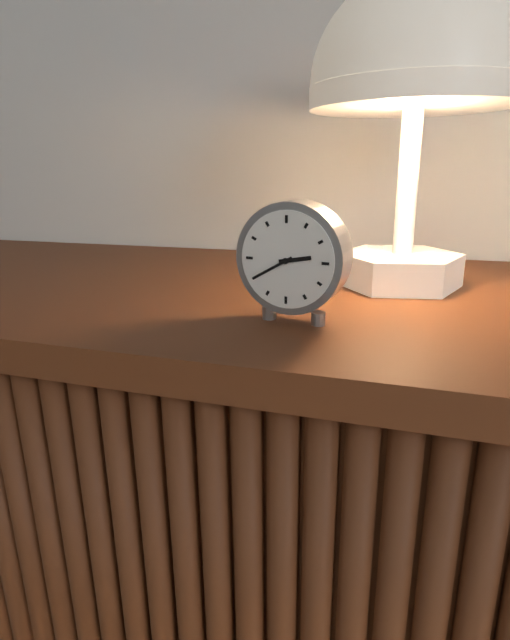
2:40
